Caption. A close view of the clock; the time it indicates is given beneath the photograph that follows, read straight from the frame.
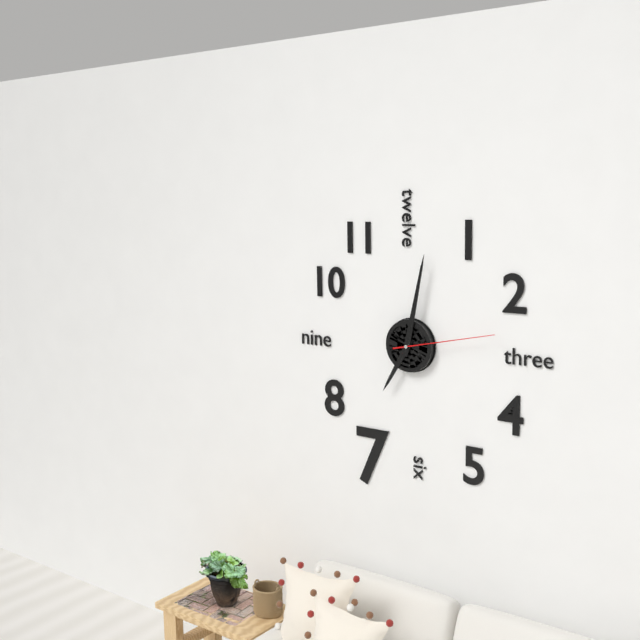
7:02:13
